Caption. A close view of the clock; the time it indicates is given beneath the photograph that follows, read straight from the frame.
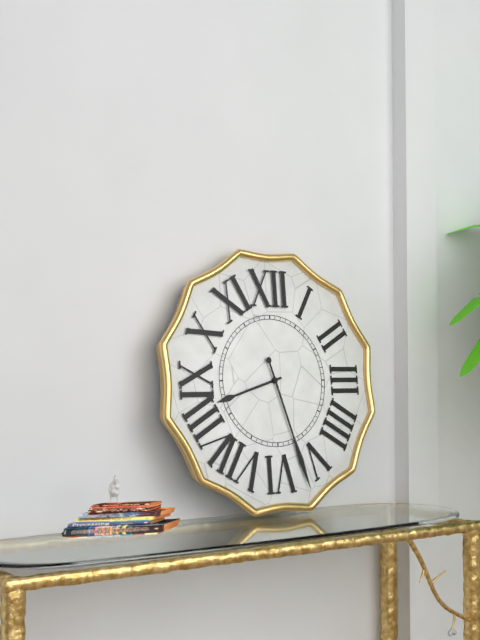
8:27
